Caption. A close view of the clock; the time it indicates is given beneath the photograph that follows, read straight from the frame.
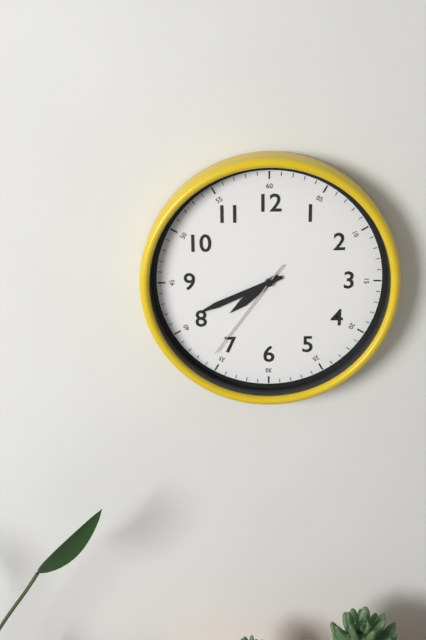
7:41:36
